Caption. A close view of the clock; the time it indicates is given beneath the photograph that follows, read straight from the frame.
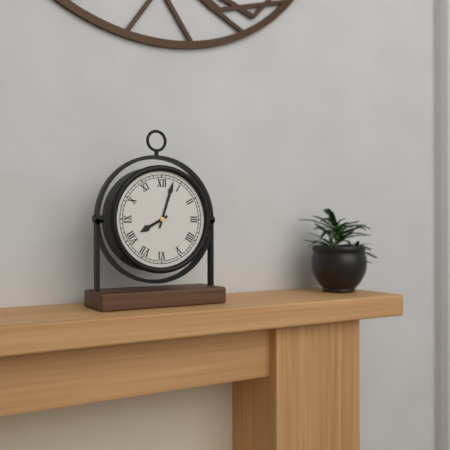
8:03
